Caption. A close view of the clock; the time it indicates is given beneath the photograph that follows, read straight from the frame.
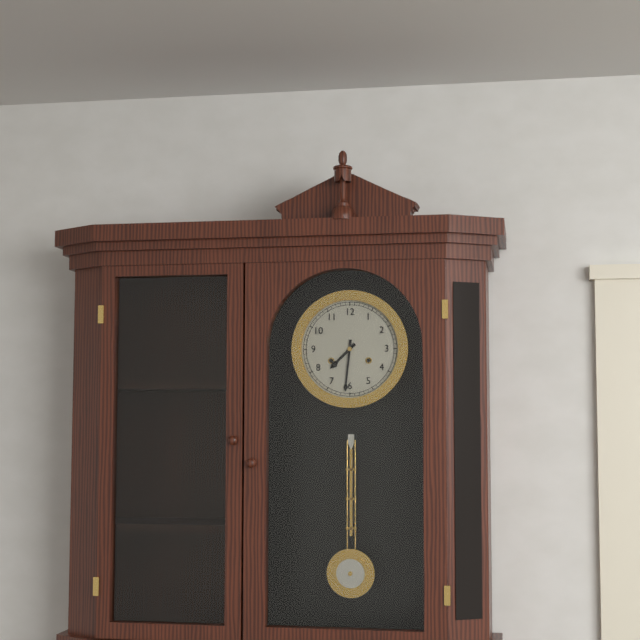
7:31
